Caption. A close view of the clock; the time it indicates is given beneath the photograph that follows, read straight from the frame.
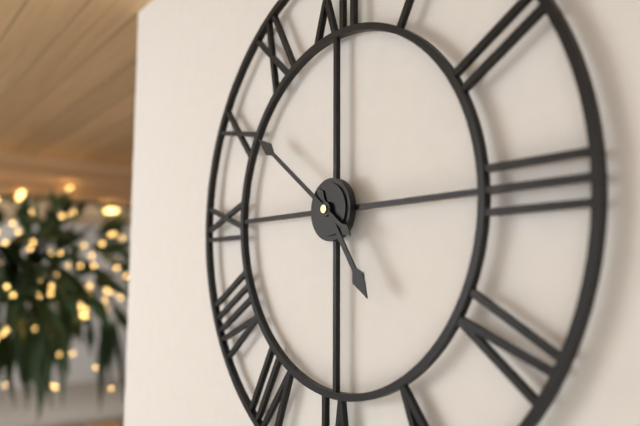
4:51
